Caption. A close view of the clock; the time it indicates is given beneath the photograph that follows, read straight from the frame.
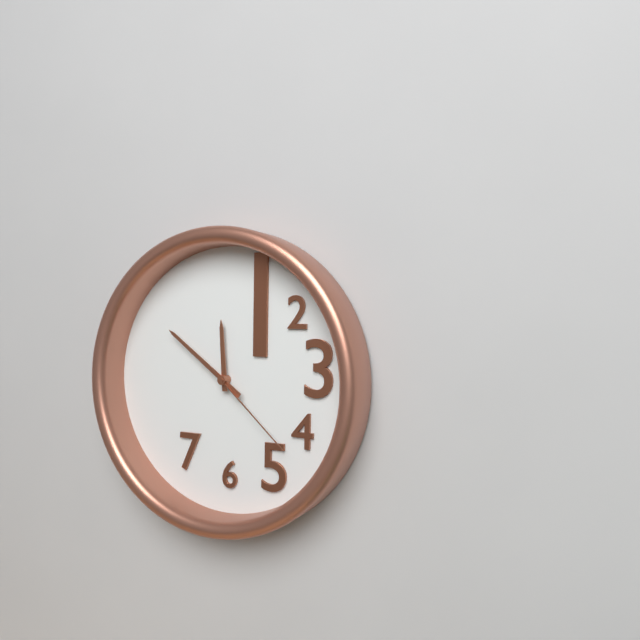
11:51:22
